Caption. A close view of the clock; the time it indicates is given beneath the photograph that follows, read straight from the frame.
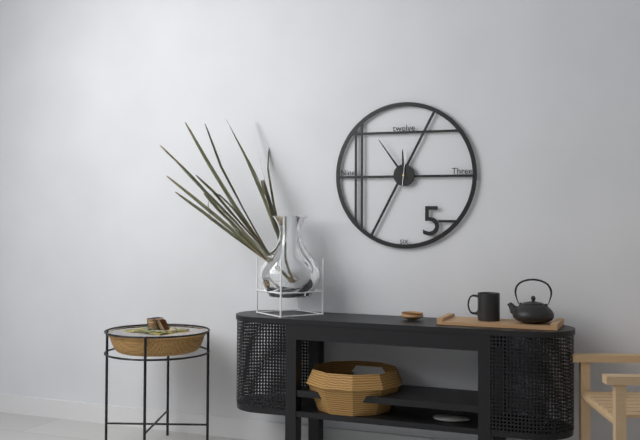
11:54
